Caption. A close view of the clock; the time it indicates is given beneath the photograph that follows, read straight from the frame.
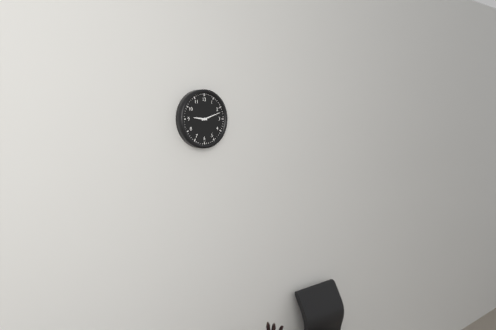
9:12
